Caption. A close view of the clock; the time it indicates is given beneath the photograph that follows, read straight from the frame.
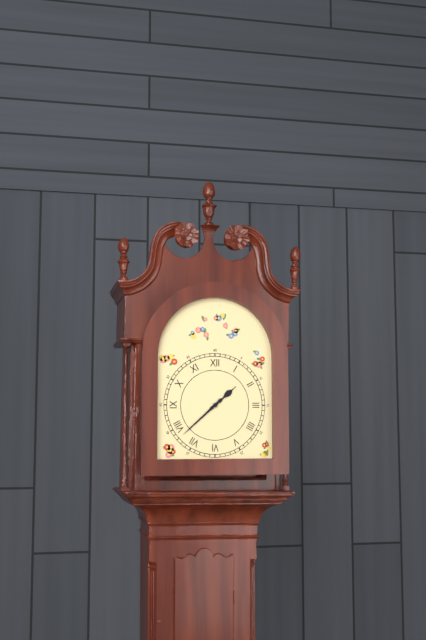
1:38
